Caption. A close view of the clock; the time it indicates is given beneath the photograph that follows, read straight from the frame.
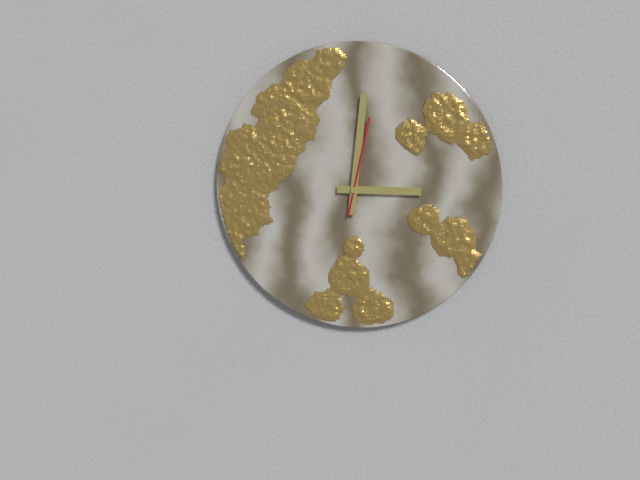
3:01:02
